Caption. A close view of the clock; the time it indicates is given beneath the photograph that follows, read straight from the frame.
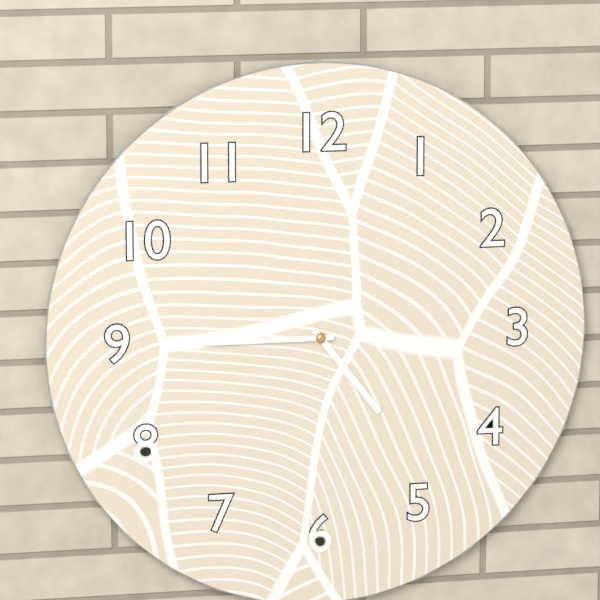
4:45
